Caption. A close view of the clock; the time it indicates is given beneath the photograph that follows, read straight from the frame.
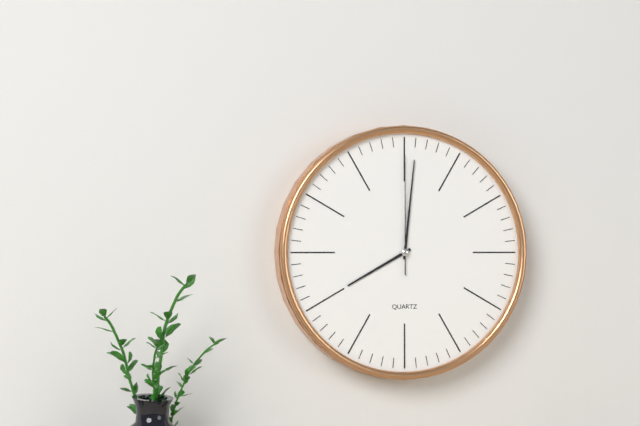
8:01:00
